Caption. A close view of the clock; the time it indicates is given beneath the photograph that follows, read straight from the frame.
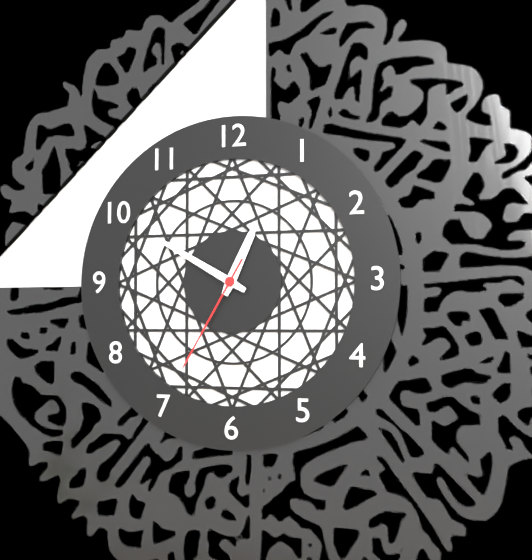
12:50:35
